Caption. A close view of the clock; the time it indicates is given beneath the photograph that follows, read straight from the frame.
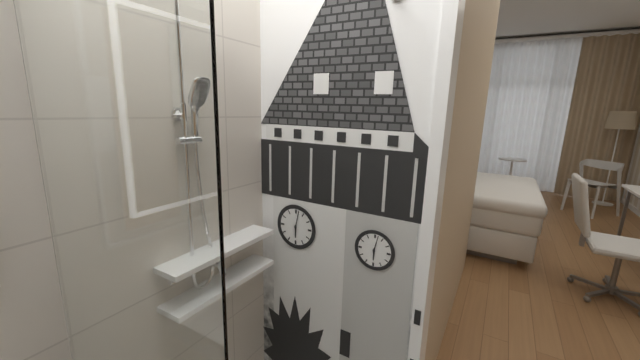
6:02
